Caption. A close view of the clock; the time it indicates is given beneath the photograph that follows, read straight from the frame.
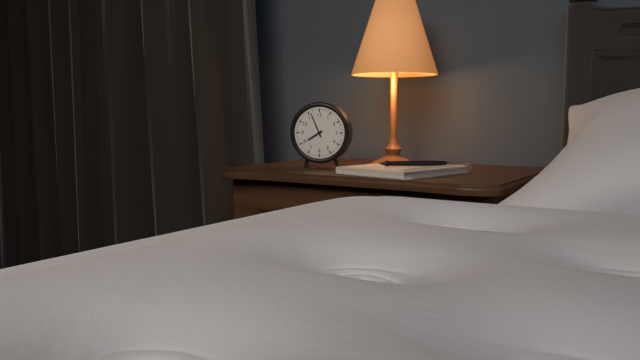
7:56
